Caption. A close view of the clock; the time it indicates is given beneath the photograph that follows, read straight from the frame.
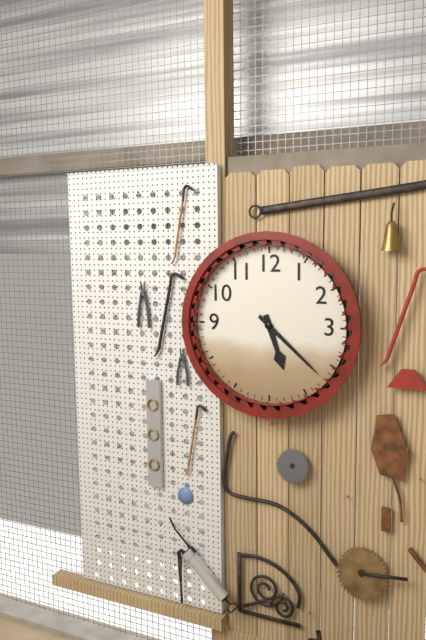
5:22
